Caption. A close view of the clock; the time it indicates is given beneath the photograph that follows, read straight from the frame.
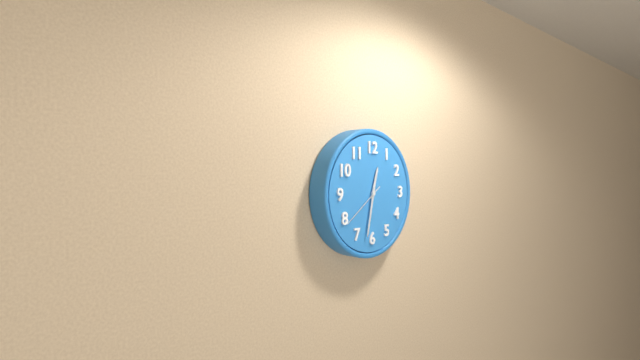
12:32:39
